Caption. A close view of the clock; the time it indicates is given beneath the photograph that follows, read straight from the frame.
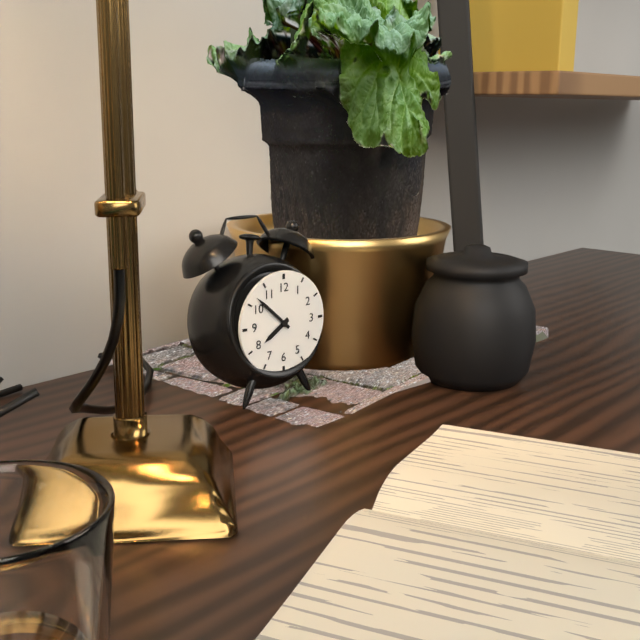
7:52
